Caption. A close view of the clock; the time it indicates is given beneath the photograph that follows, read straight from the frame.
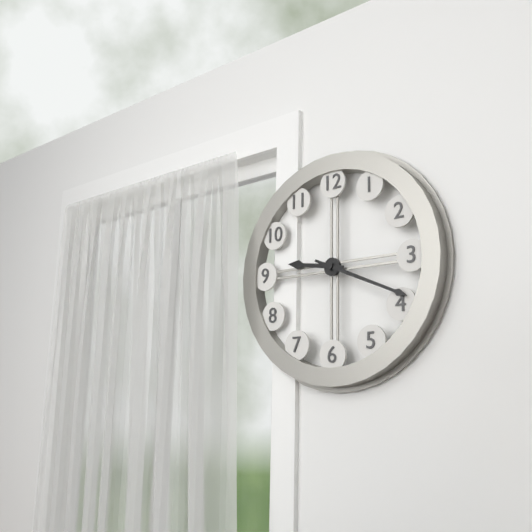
9:19
